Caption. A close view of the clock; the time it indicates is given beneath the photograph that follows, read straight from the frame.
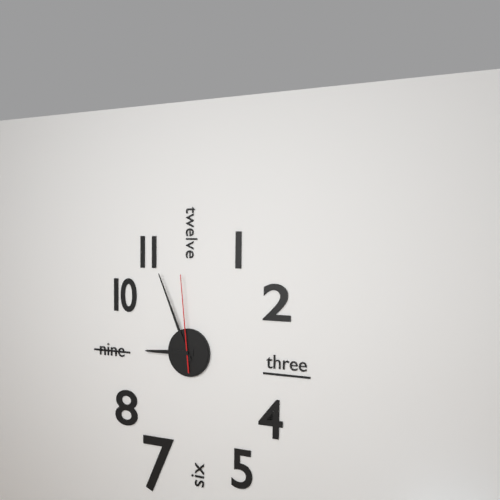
8:56:59
